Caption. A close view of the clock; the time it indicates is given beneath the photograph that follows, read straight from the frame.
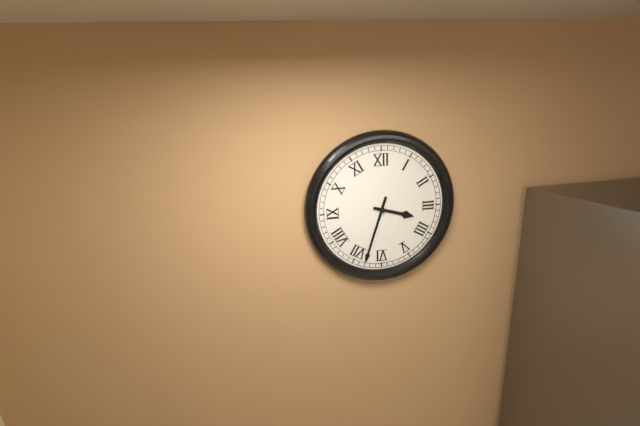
3:33
